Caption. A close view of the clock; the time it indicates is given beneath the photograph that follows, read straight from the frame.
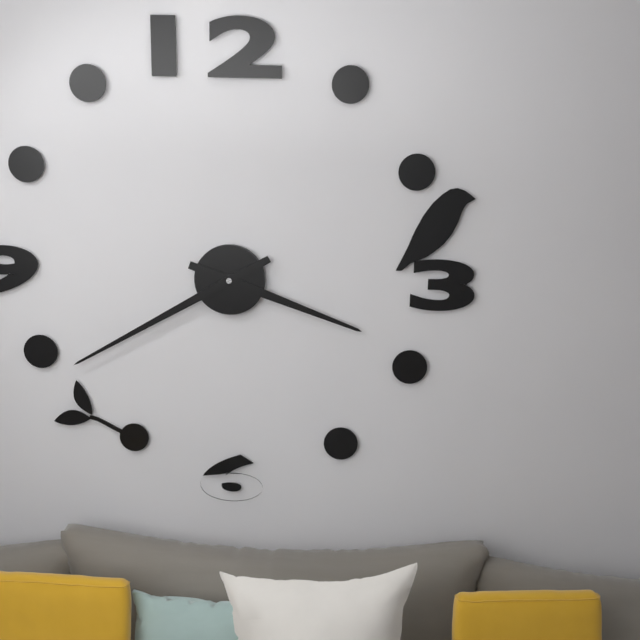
3:40
